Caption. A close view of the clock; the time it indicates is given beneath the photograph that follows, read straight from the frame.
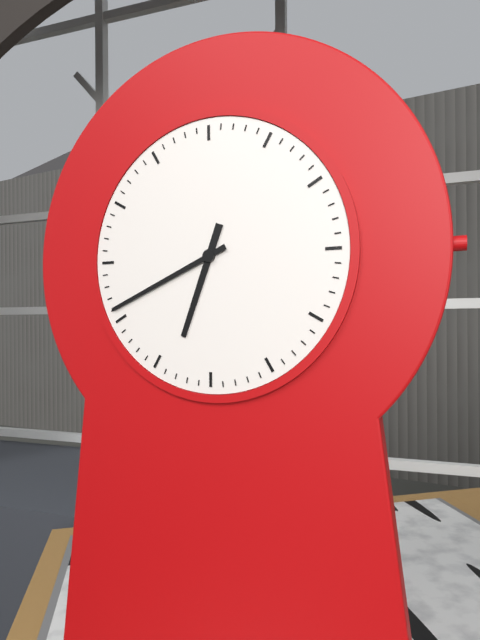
6:41
